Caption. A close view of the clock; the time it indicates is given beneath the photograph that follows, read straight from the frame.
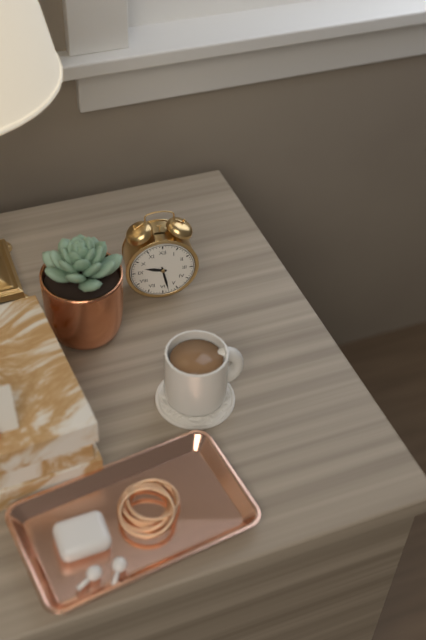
9:28
